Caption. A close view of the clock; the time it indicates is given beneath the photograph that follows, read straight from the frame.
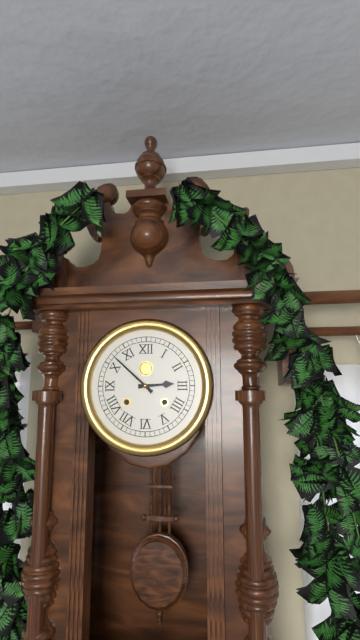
2:52
